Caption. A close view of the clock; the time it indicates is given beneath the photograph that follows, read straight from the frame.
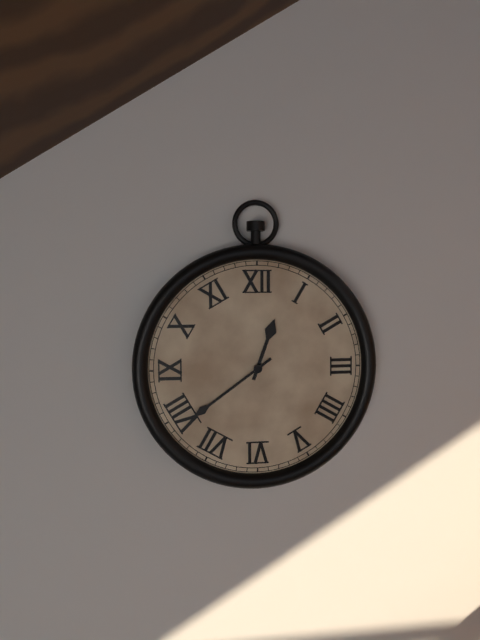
12:39
